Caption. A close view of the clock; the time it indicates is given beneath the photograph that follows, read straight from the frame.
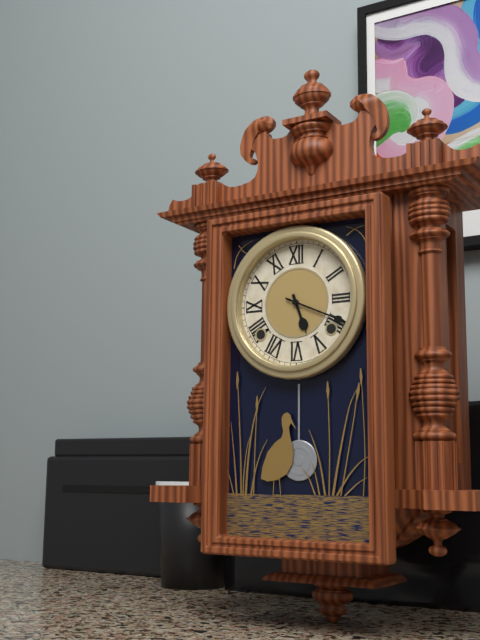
5:19
